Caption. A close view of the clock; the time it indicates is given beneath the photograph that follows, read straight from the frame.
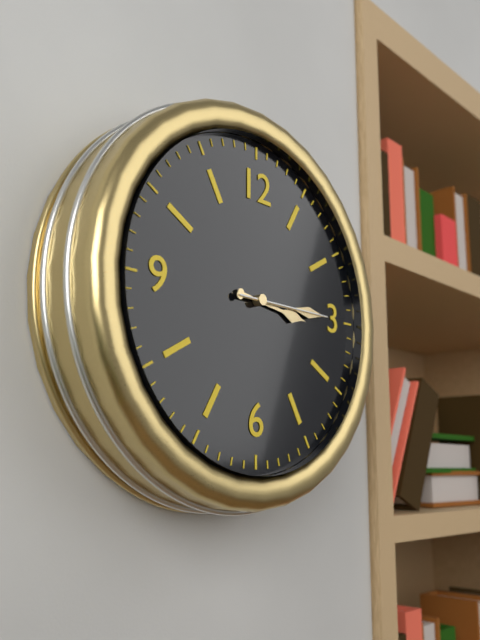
3:15:15
